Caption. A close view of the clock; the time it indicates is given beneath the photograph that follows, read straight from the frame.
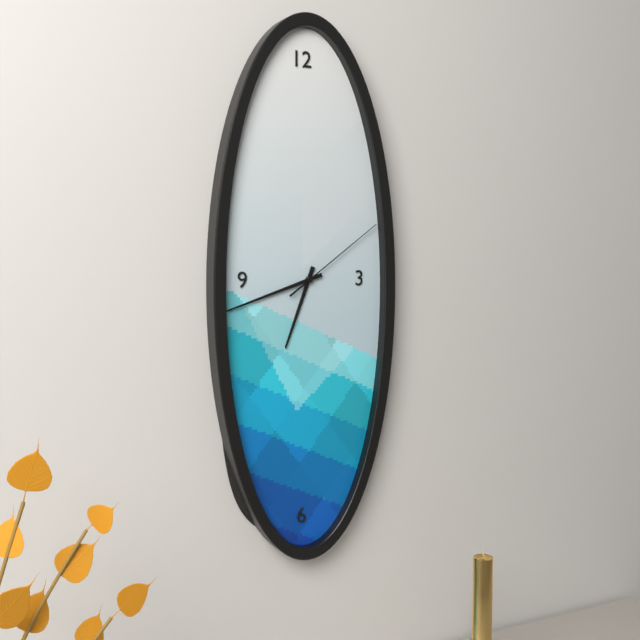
6:42:09
